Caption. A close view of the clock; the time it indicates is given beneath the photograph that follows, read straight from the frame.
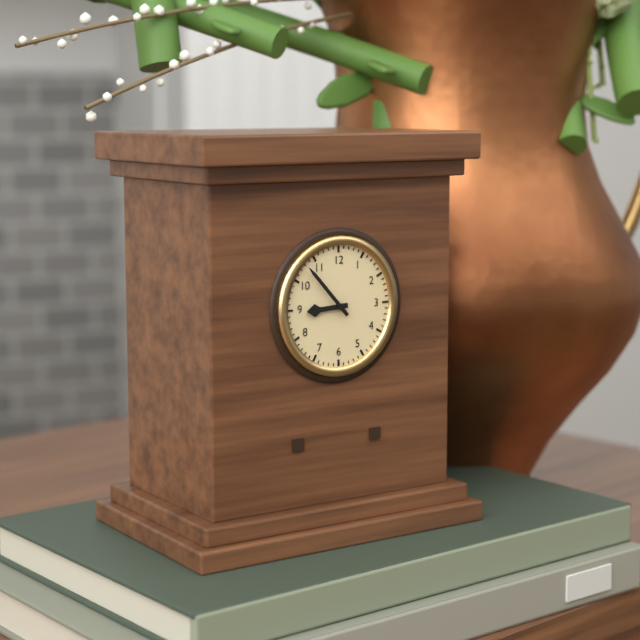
8:53
